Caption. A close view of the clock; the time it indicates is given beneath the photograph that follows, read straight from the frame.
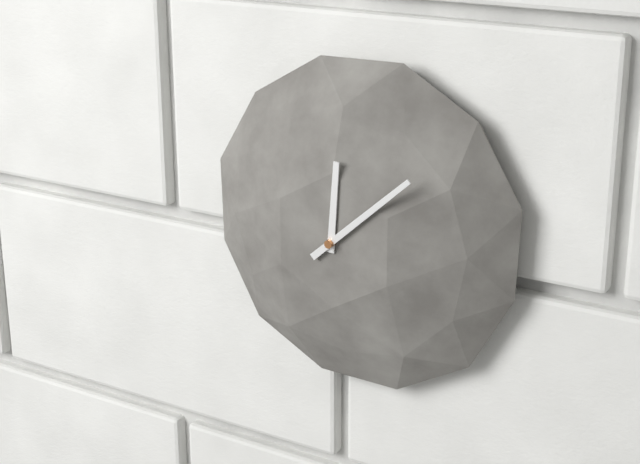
12:08
